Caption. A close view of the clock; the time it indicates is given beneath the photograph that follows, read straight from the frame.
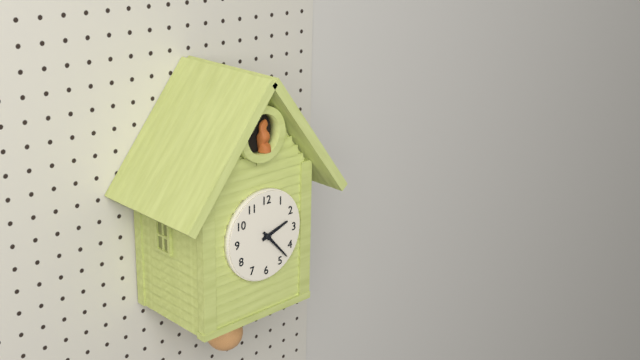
2:23
